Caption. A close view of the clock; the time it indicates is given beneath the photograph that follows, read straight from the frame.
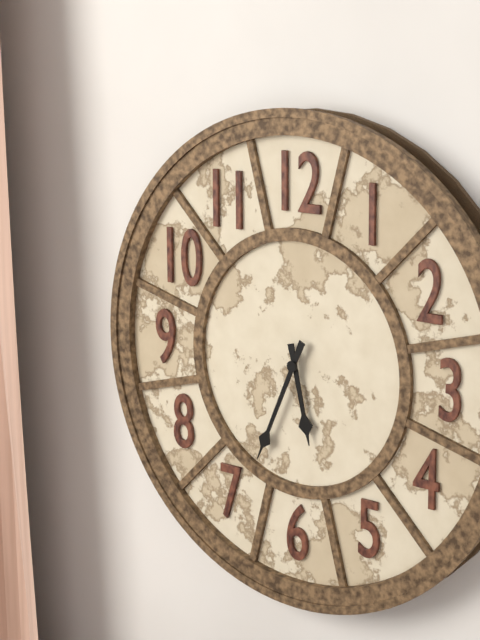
5:34
